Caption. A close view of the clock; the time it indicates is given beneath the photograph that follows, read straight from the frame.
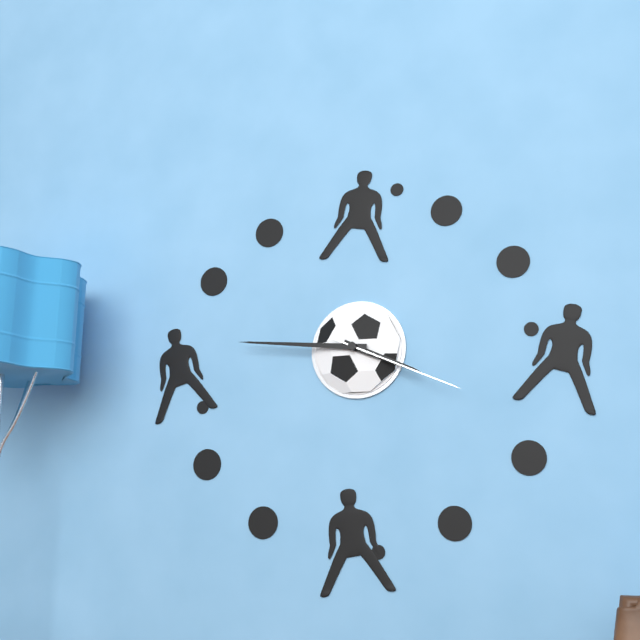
3:46:19
